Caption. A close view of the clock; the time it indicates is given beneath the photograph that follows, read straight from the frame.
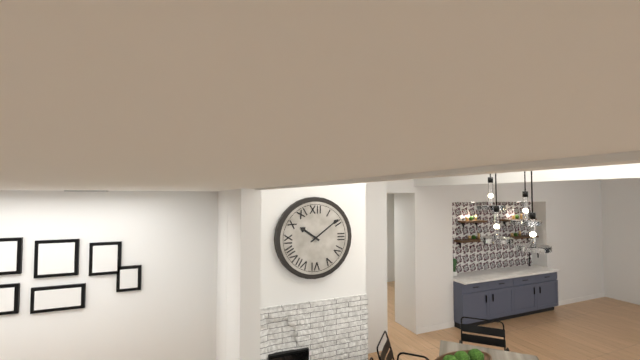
10:09
